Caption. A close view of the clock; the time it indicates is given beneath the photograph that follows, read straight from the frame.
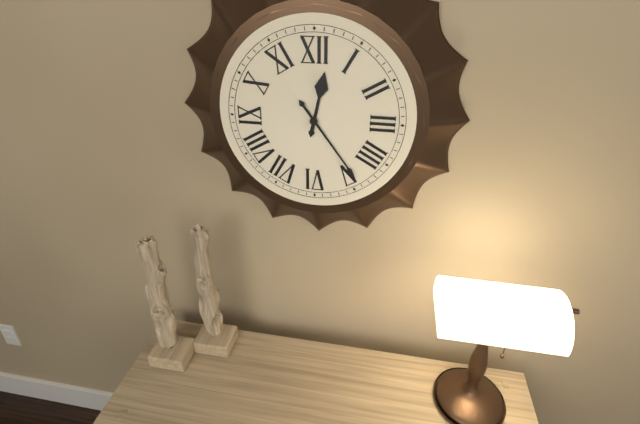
12:24
